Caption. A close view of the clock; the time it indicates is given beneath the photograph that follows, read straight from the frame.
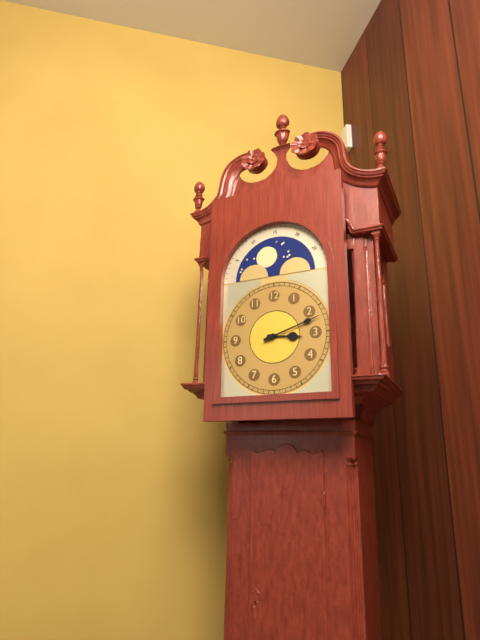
3:12
